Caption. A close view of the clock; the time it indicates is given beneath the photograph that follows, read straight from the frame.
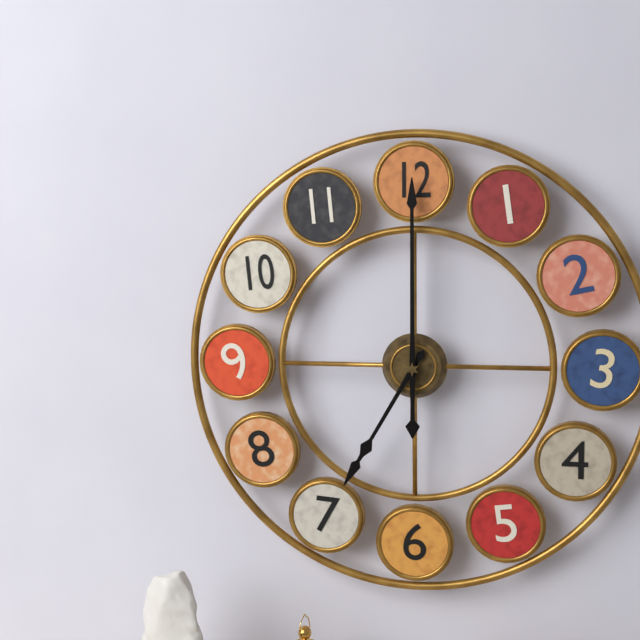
7:00
